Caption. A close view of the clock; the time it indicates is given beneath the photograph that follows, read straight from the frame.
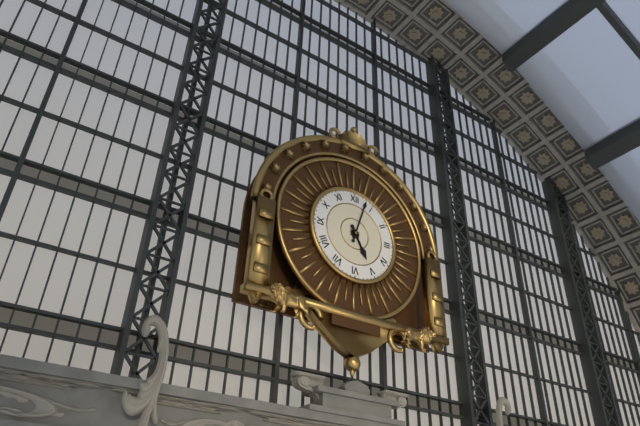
5:03
